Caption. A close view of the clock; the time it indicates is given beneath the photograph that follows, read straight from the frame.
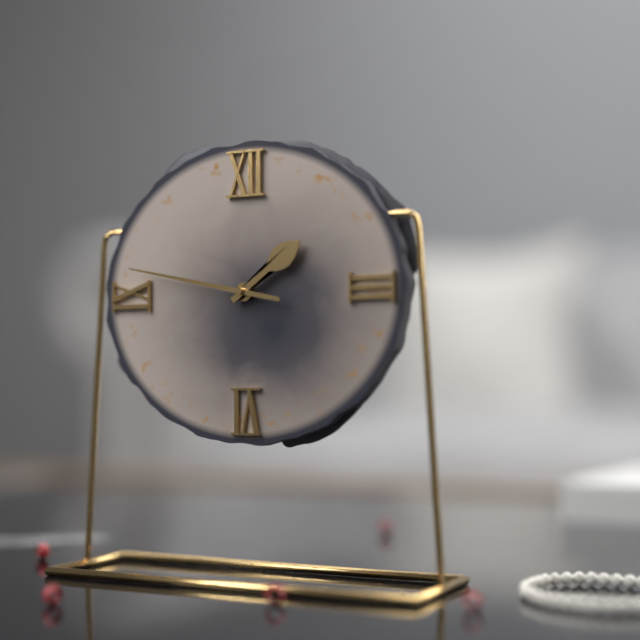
1:47
